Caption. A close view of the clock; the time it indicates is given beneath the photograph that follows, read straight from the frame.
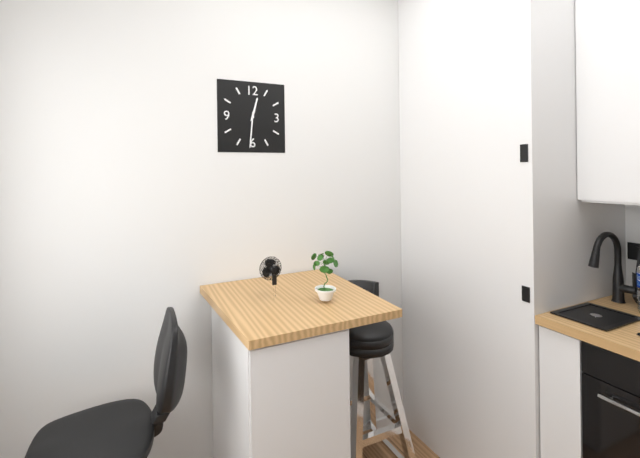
12:31
